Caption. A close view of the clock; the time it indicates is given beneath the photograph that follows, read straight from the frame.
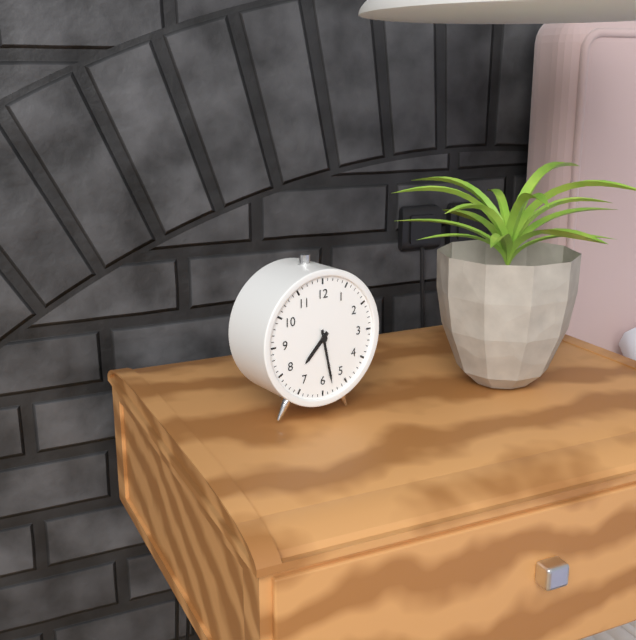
7:28
